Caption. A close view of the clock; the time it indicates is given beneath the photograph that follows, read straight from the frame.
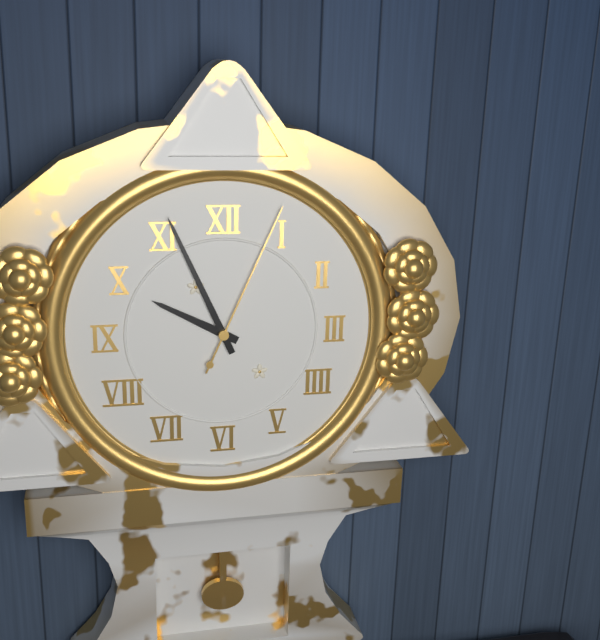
9:56:04
